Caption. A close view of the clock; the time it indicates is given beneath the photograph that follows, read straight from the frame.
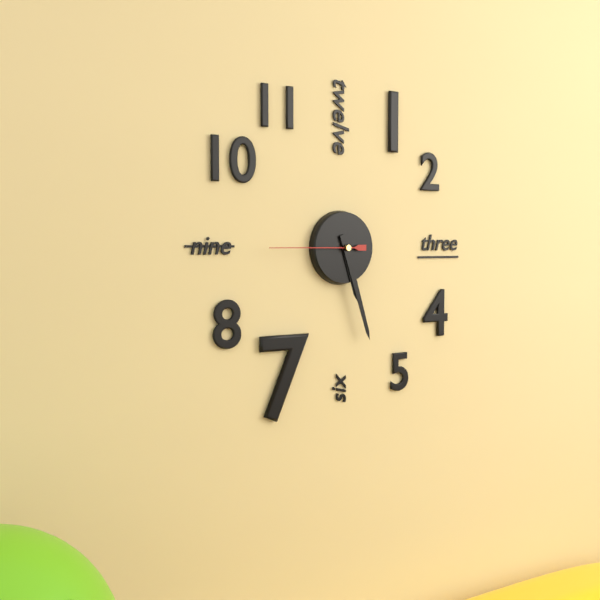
5:27:45
